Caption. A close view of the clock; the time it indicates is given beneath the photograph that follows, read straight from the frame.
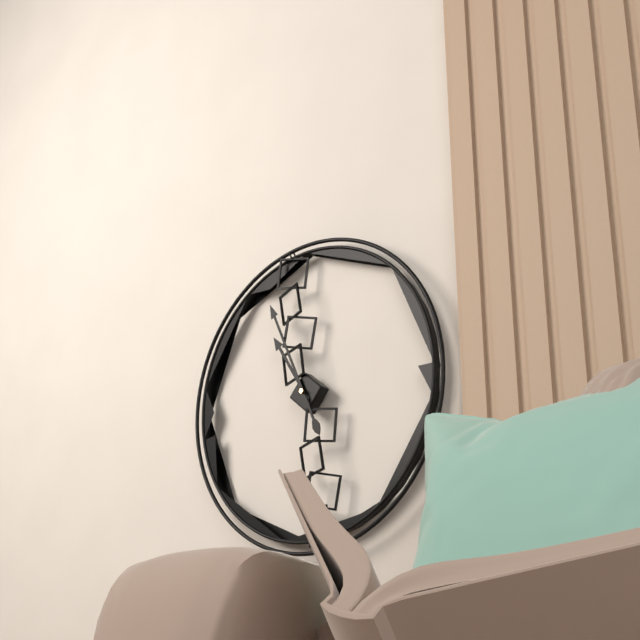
10:56
